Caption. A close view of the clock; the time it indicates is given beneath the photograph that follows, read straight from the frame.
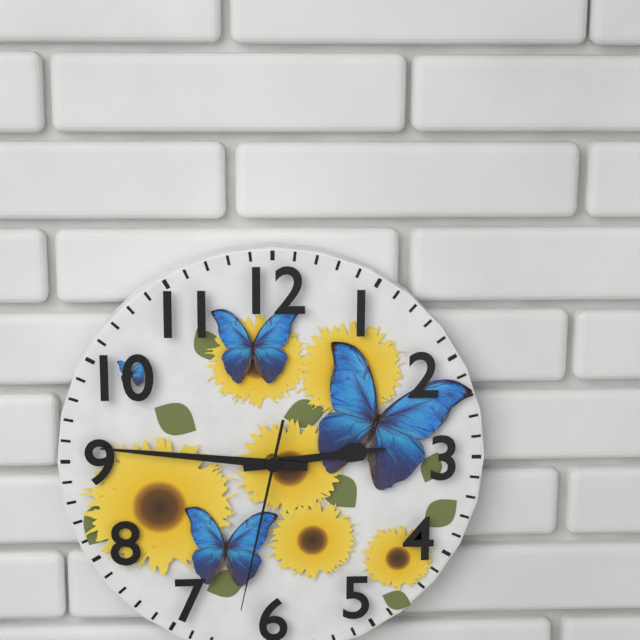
2:46:32
